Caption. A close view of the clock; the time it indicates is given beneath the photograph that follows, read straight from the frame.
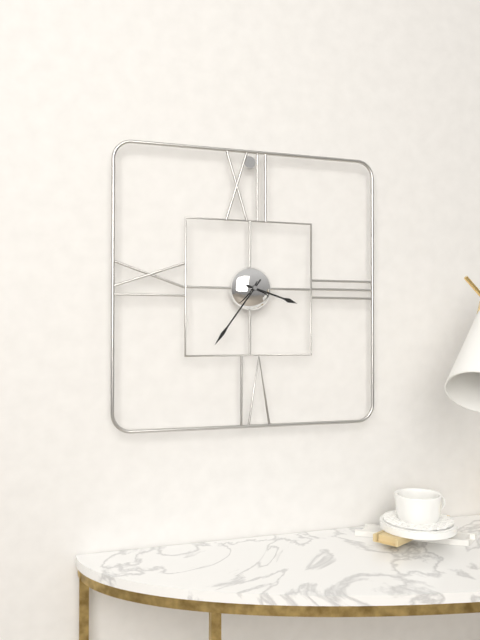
3:36
